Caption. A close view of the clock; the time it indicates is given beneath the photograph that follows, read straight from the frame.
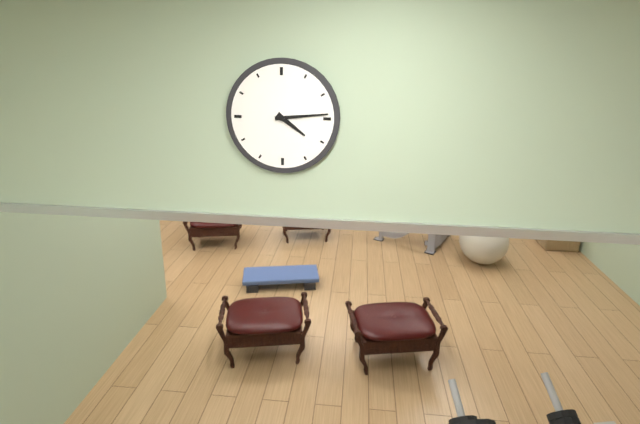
4:14
